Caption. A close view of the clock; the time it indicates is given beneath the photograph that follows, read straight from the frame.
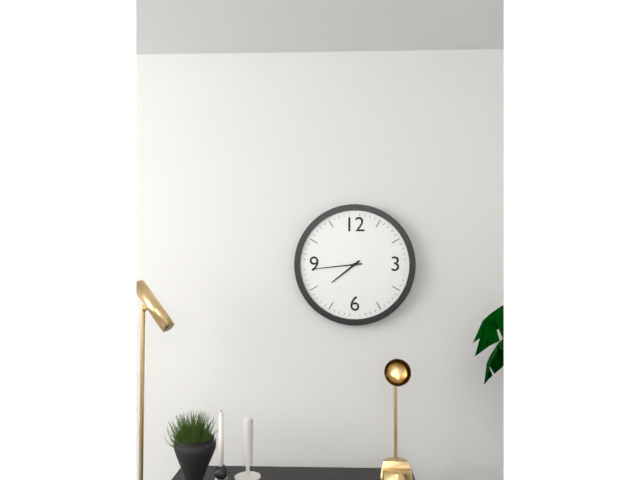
7:44
